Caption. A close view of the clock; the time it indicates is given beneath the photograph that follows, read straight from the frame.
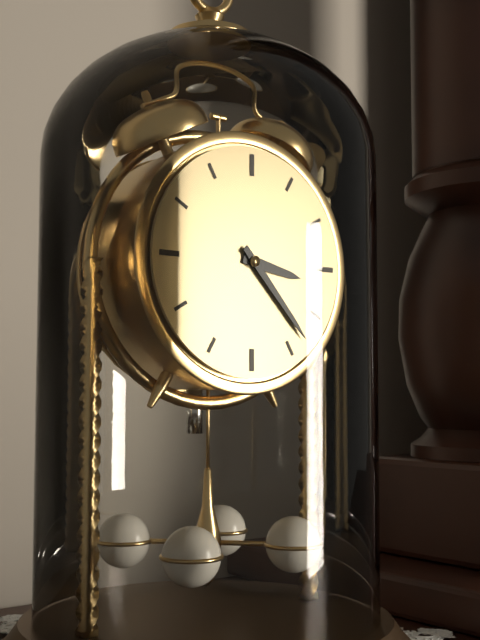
3:23
